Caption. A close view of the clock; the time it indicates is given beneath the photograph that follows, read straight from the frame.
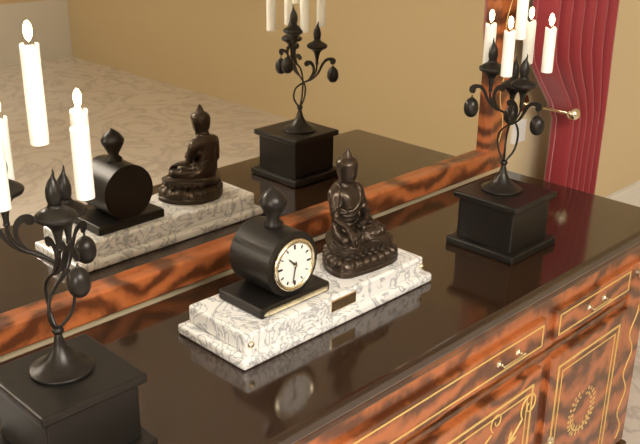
10:32
